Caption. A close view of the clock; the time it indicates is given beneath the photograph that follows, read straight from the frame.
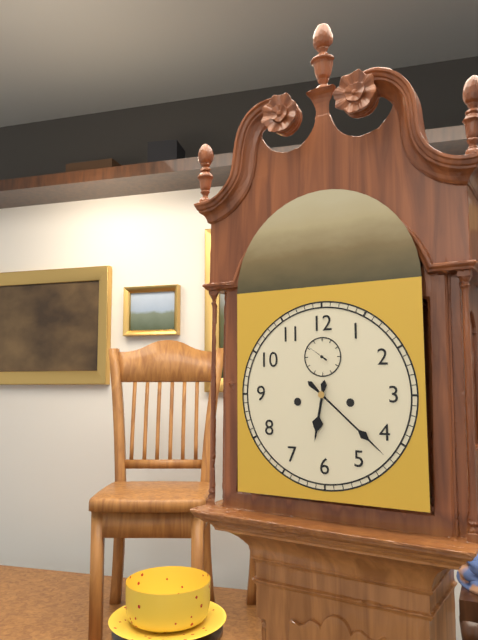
6:22
